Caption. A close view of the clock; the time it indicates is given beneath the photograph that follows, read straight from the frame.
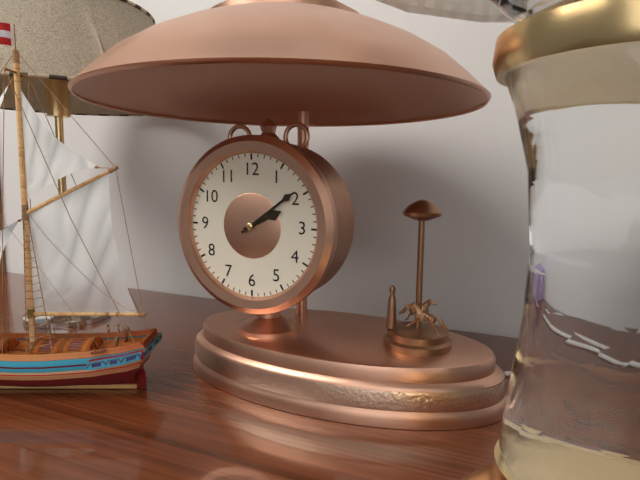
2:09
